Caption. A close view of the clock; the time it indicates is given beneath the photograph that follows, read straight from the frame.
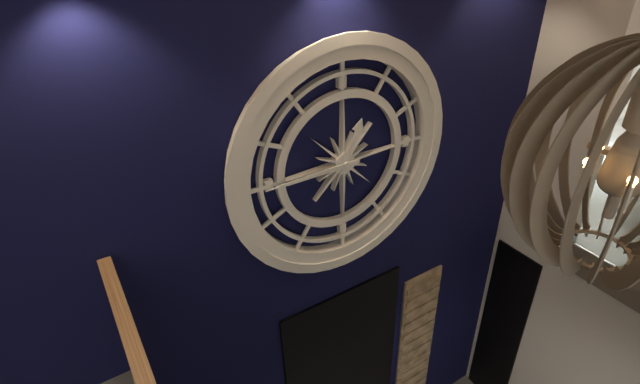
12:45
